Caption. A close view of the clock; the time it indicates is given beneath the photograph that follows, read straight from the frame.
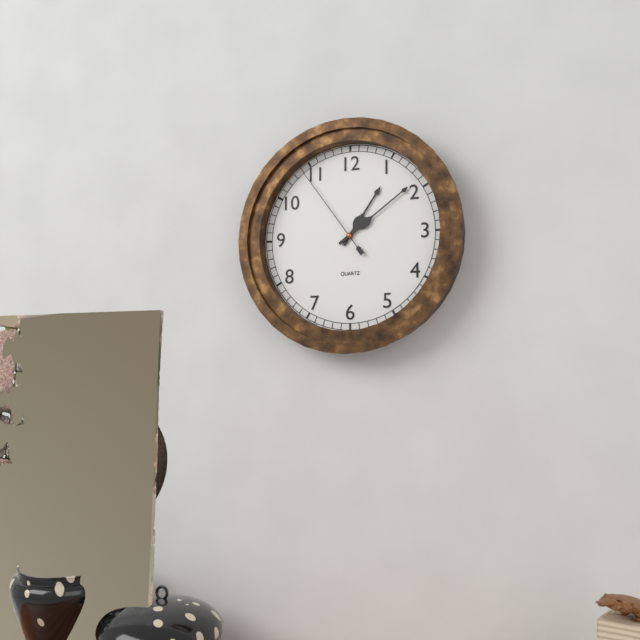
1:09:54
